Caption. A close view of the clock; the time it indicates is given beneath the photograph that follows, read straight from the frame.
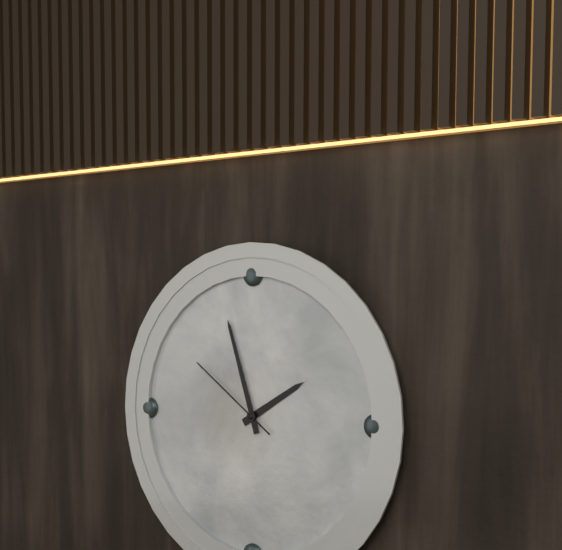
1:57:51
